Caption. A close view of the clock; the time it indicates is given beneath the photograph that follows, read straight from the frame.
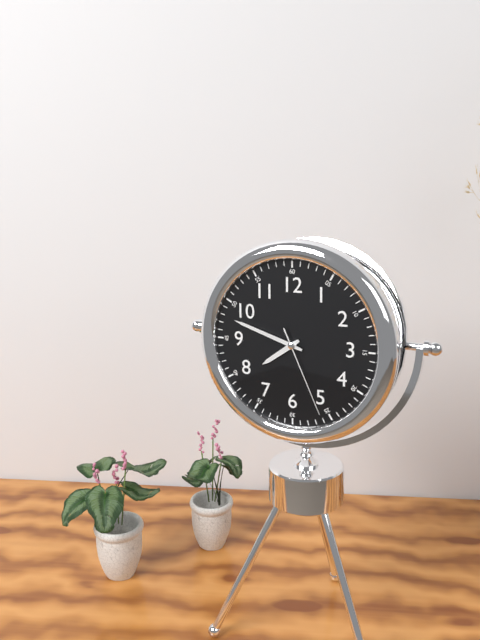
7:48:26
